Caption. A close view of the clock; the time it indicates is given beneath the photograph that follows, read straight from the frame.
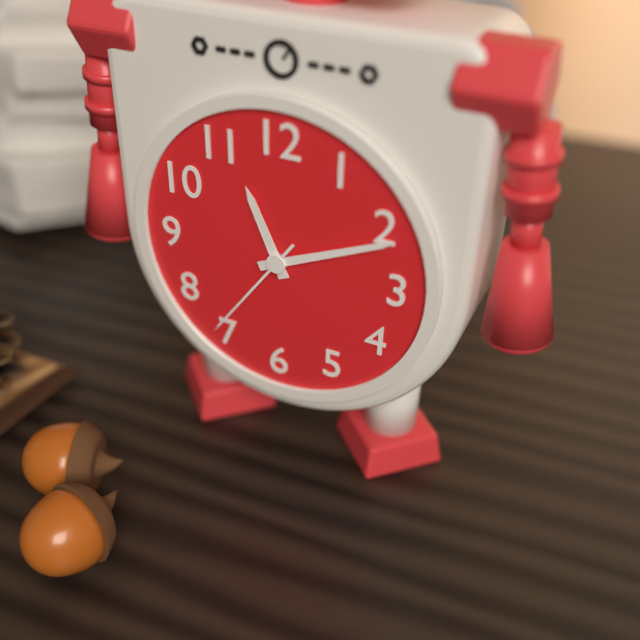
11:11:36
